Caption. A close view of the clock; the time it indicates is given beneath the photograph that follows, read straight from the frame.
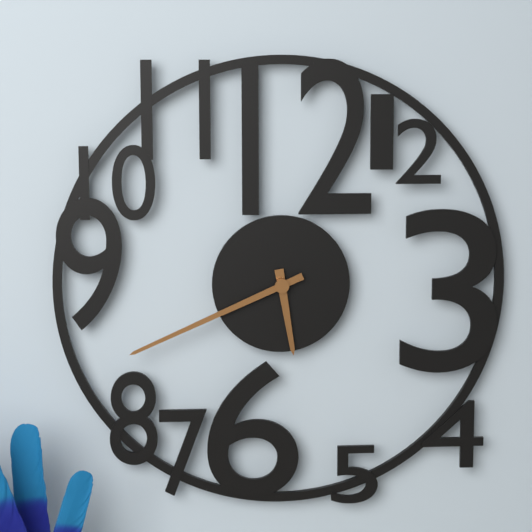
5:41
